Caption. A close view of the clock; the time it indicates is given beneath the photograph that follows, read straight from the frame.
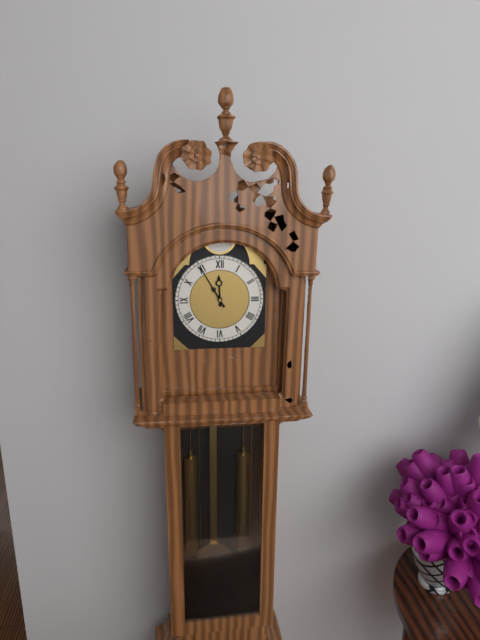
11:55
